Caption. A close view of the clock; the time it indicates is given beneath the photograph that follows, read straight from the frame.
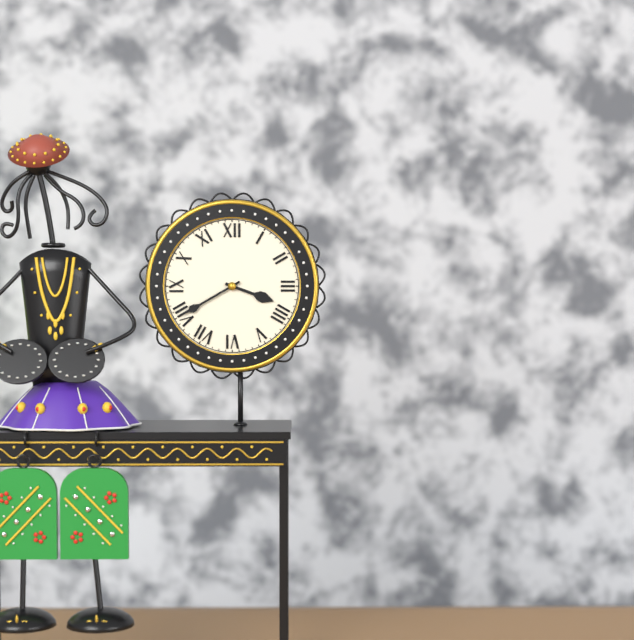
3:40
